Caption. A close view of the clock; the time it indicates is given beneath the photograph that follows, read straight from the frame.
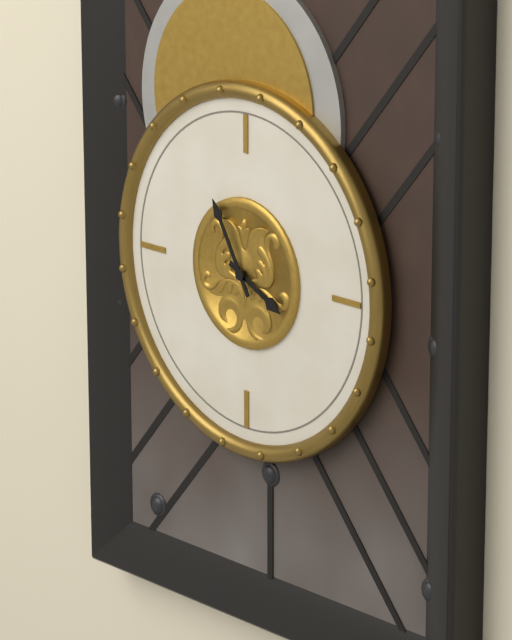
3:55
